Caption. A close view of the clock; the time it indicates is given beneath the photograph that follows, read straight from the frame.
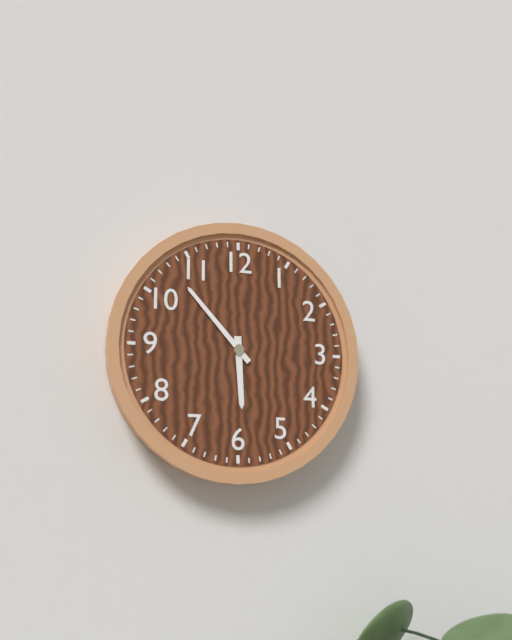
5:53
